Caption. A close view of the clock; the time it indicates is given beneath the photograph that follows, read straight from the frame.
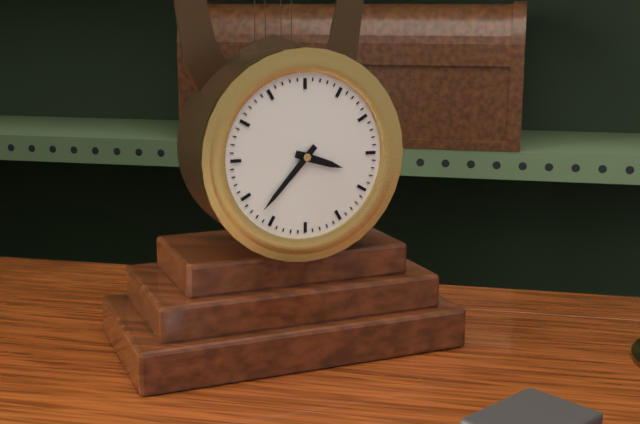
3:37
